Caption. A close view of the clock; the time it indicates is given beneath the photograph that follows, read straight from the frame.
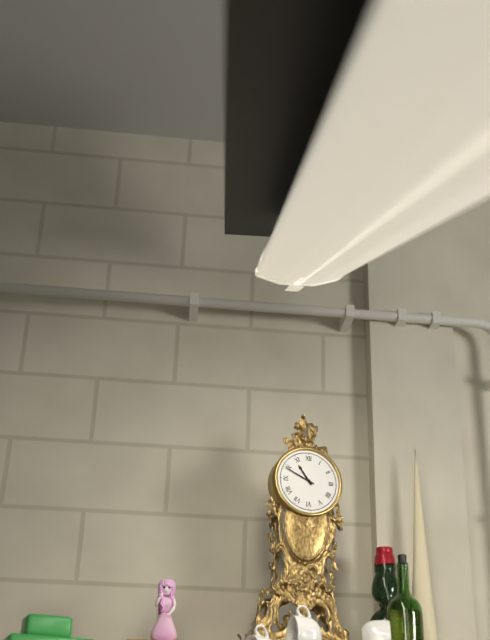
10:49
